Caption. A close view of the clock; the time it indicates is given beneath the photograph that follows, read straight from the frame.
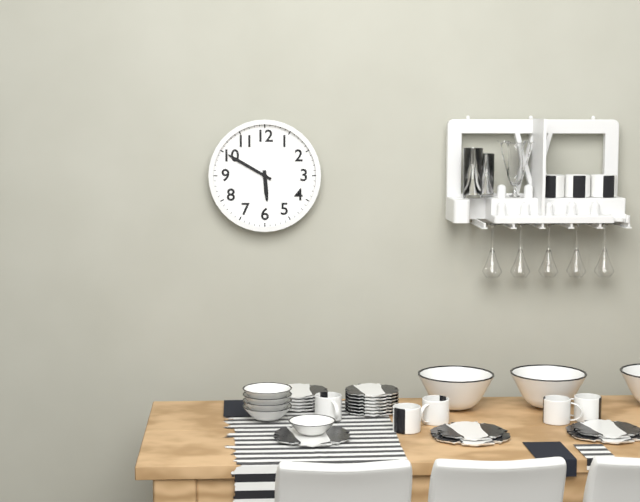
5:50
